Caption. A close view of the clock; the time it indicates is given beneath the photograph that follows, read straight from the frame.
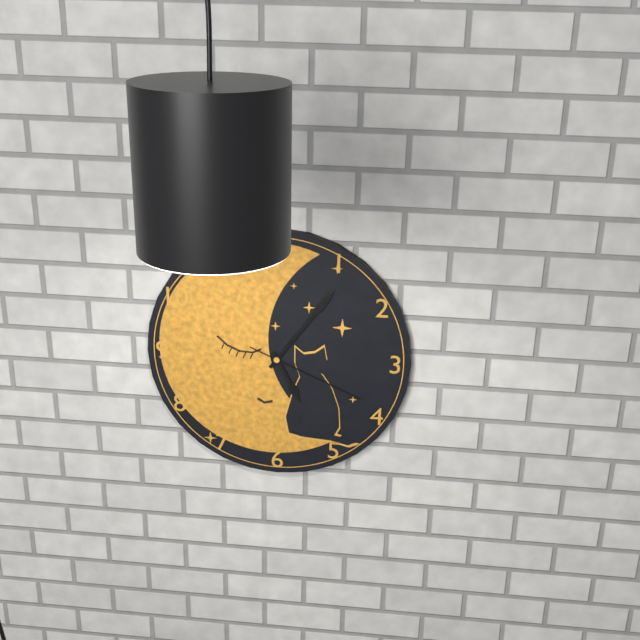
5:06:19
